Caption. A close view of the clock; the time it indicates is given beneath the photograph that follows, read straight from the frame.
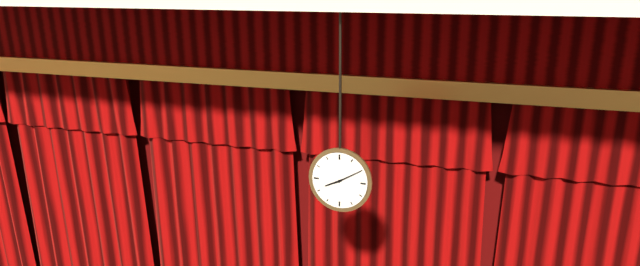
8:10
